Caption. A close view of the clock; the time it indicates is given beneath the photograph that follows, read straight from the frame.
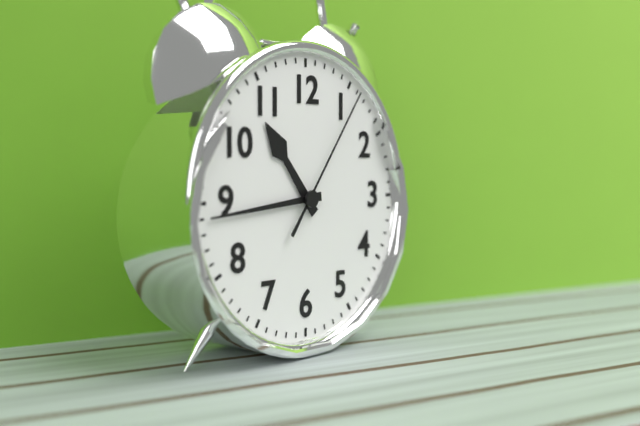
10:44:06
